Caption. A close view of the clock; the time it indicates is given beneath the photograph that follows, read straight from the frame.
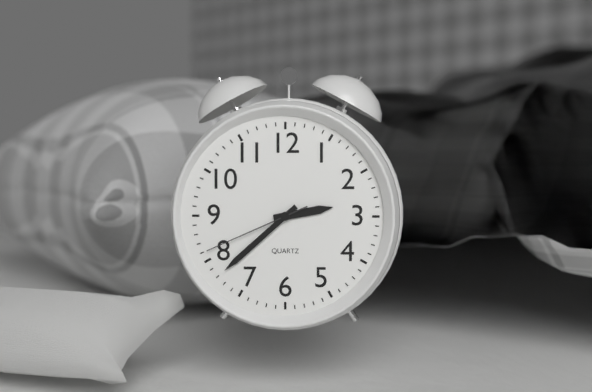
2:38:41
